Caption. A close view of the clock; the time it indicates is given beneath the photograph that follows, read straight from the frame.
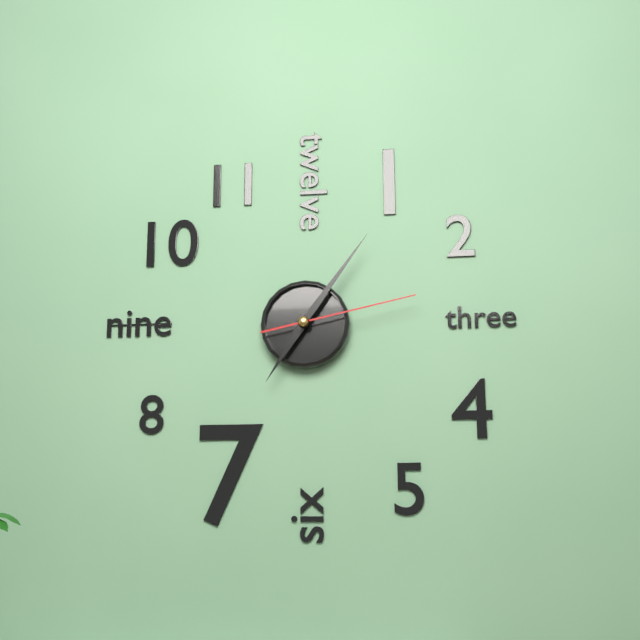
7:06:13
